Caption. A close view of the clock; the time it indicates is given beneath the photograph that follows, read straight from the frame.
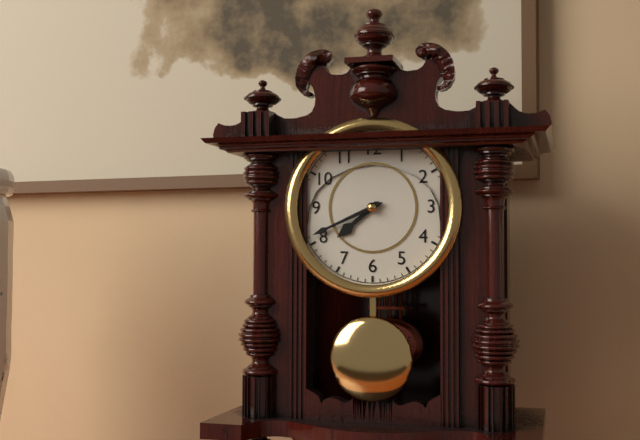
7:41
